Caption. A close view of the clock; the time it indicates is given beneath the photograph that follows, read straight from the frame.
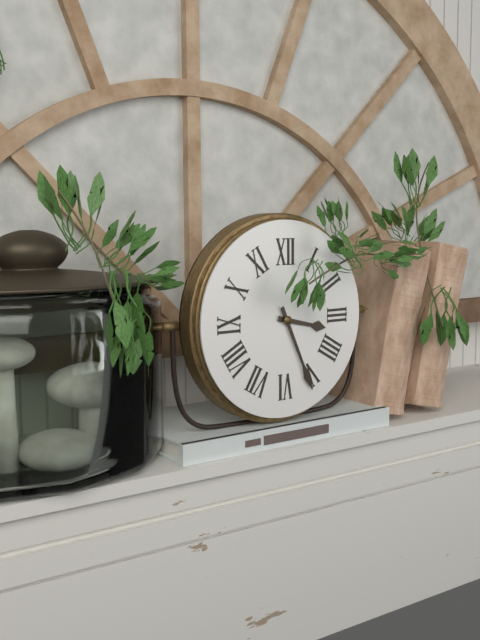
3:26
